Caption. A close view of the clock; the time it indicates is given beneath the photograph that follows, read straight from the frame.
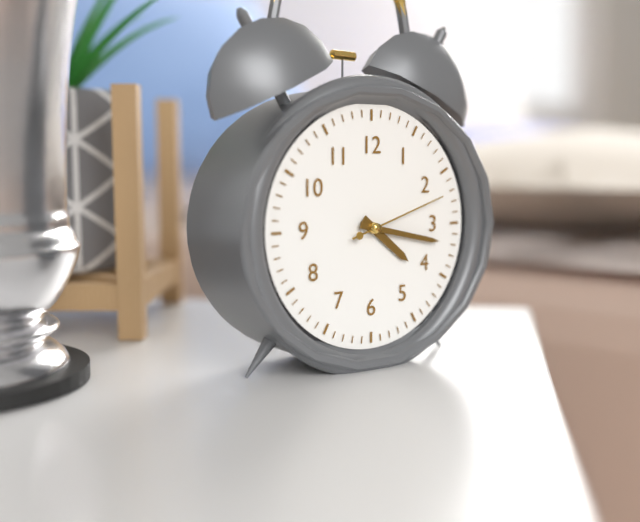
4:17:12
